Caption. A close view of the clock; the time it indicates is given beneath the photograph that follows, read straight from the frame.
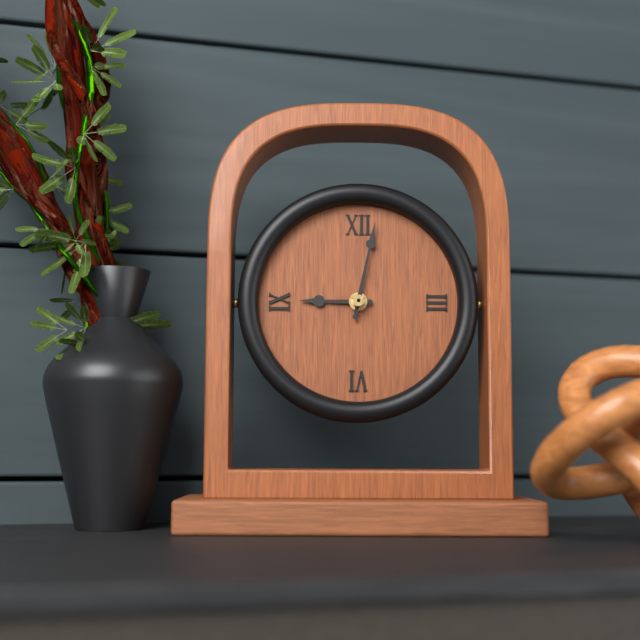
9:02
